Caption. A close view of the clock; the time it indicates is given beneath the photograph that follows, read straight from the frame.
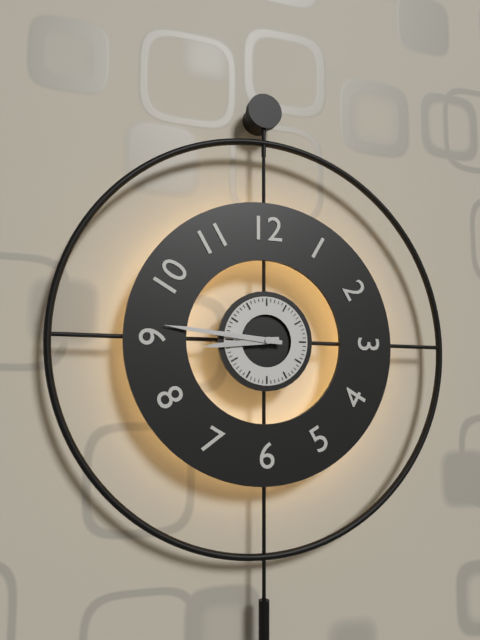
8:46
